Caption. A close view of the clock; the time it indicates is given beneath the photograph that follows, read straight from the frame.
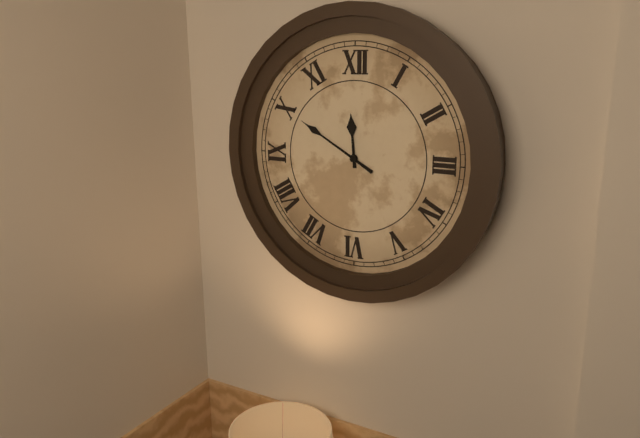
11:50
